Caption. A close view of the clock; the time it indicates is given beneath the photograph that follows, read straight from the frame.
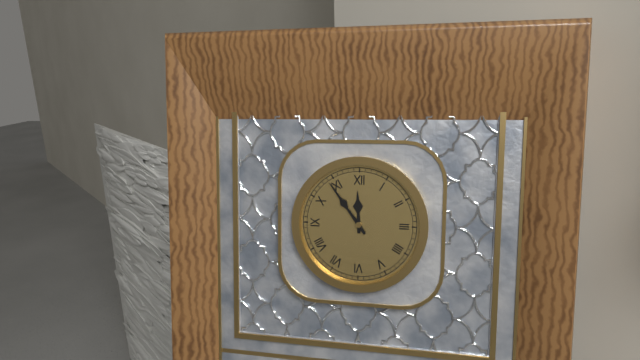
11:54
